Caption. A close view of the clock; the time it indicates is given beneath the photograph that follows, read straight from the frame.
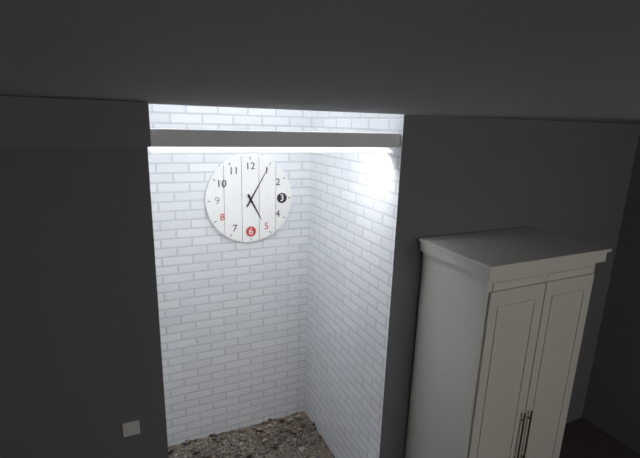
5:05
